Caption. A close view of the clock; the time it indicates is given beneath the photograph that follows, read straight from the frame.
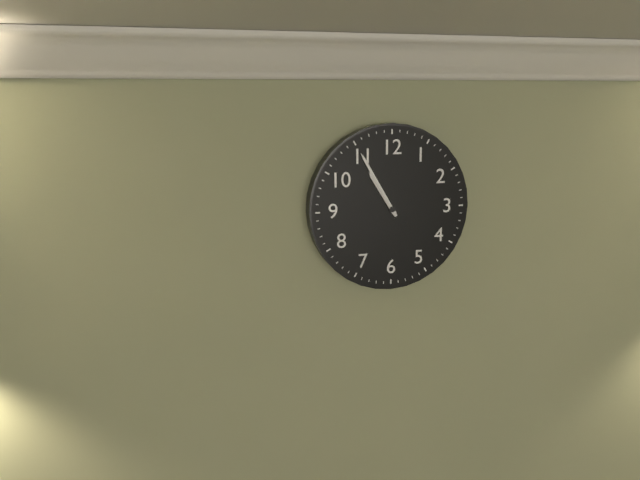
10:55
